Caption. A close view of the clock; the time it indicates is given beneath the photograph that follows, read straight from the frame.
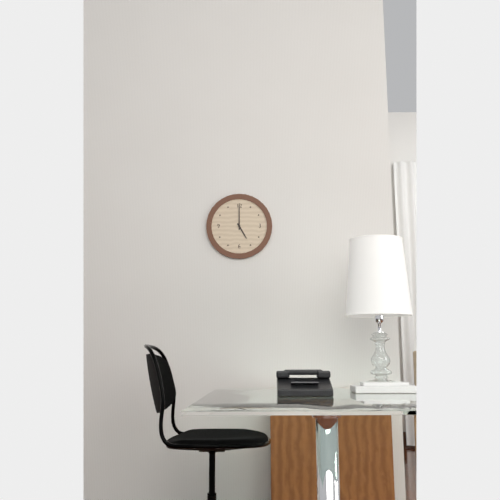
5:00
